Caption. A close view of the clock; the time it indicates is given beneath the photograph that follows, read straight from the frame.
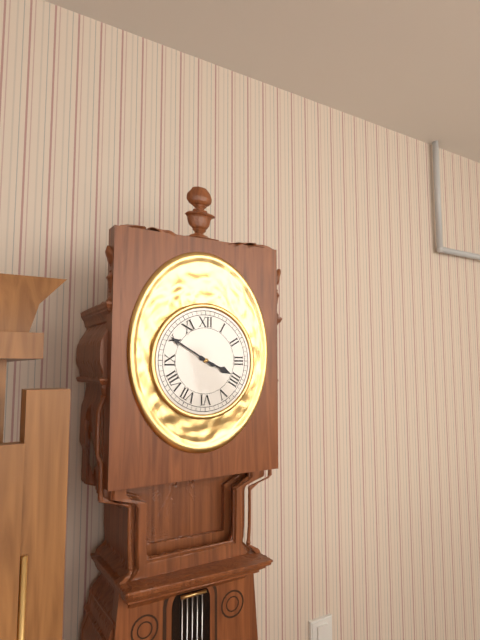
3:50
